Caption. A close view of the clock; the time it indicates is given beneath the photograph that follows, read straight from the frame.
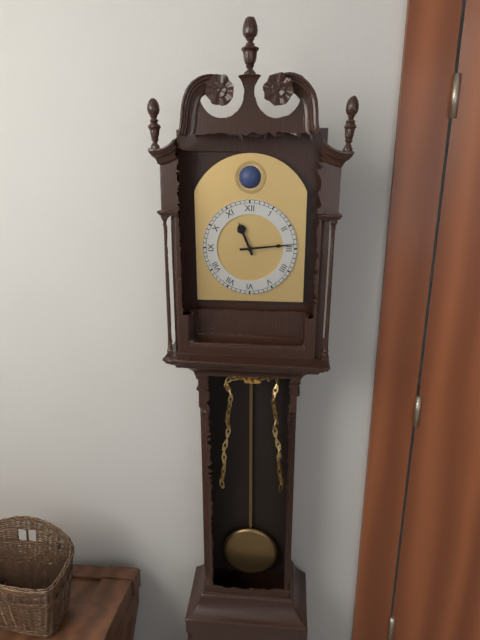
11:14
